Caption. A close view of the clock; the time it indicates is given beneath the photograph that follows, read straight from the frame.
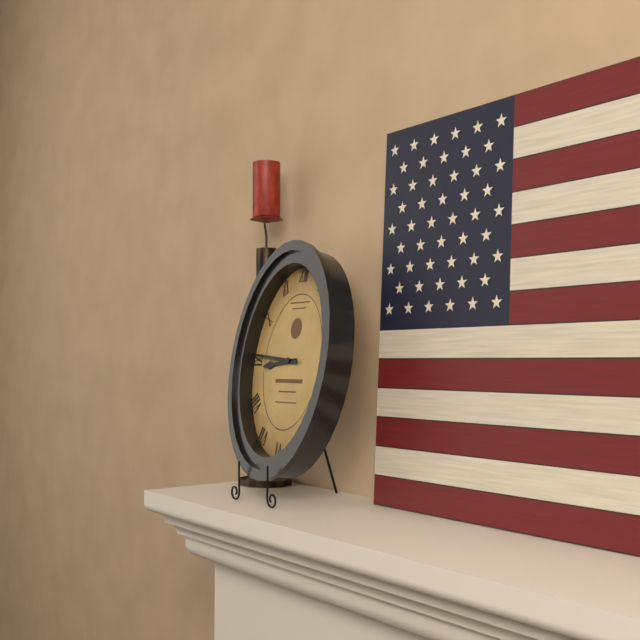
8:46
